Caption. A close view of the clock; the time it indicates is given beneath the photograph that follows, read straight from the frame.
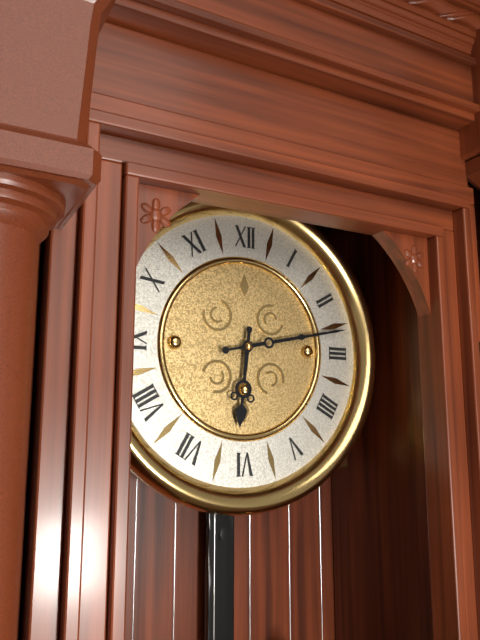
6:13
